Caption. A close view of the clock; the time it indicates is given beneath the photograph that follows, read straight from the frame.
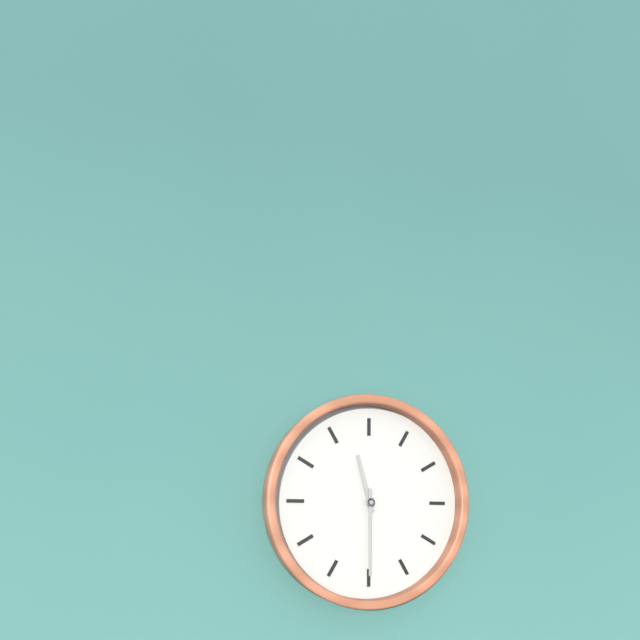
11:30
